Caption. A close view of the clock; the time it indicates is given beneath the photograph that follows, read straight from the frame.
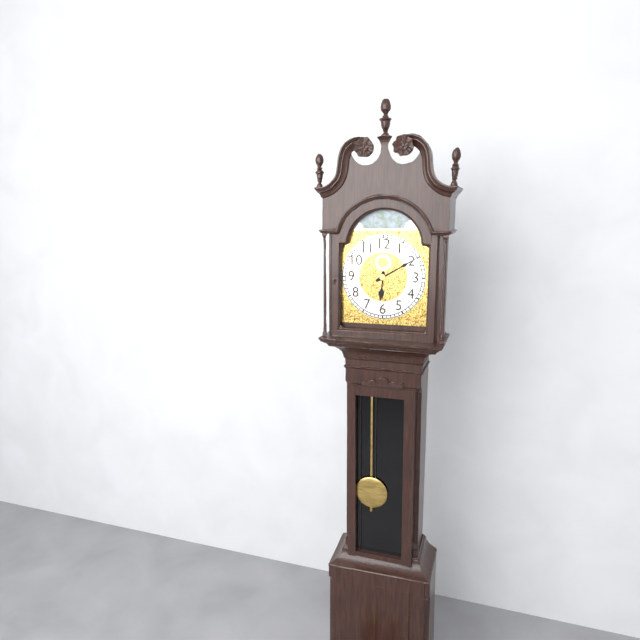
6:10
